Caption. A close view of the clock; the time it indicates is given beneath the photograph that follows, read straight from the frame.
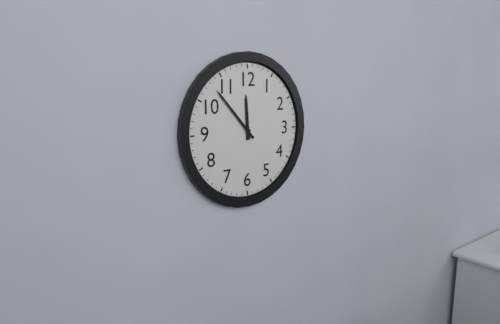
11:53
